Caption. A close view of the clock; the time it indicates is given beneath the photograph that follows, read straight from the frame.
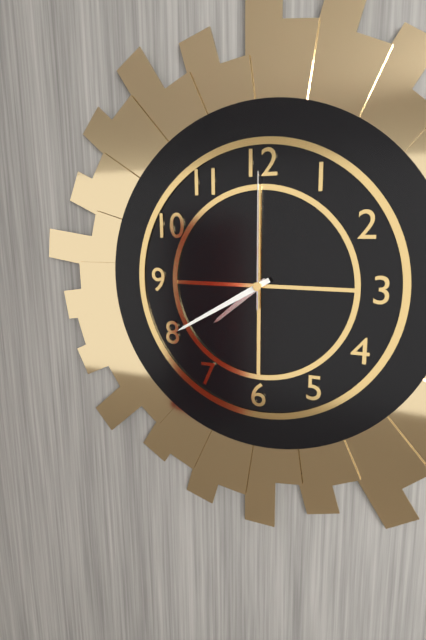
7:40:00
